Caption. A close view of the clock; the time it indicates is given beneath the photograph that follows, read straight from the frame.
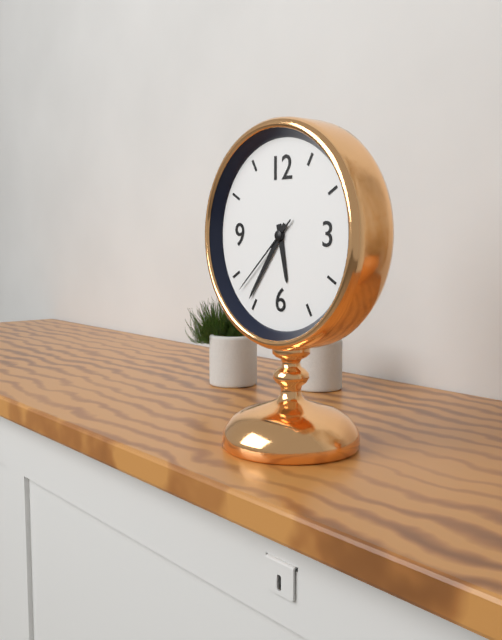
5:36:38
